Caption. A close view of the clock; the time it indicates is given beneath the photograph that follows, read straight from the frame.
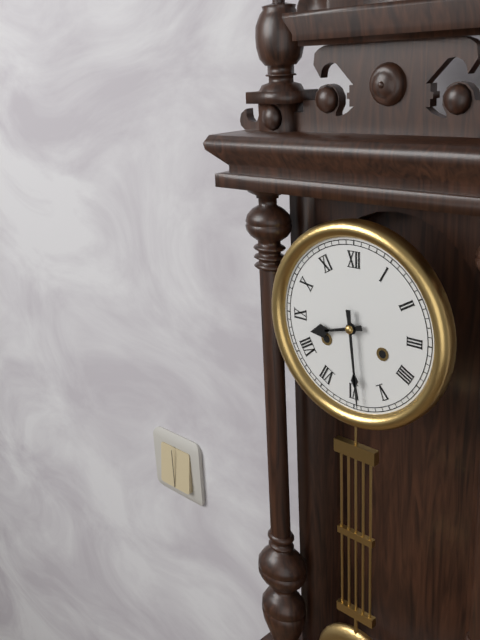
8:29
